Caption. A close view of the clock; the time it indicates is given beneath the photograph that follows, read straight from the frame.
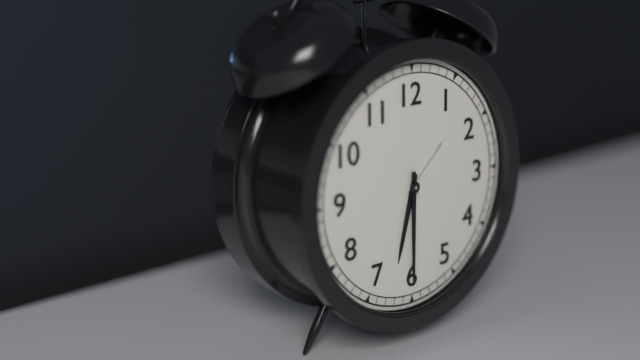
6:30
